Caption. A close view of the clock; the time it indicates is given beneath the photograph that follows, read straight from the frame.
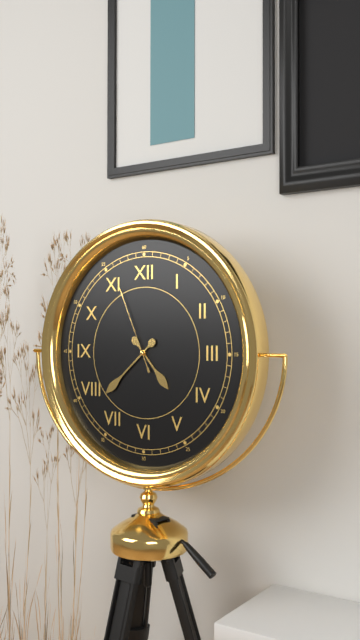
4:38:56
